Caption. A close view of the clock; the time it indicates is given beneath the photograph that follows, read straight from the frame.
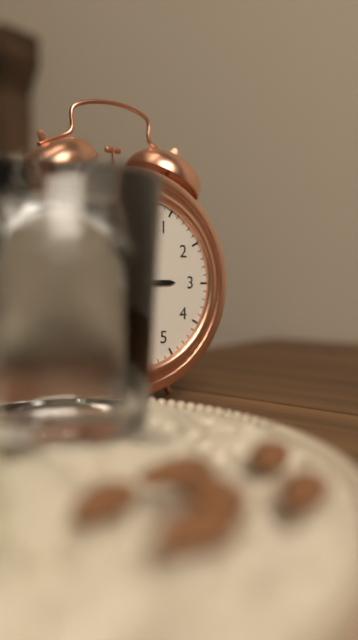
2:58:01
